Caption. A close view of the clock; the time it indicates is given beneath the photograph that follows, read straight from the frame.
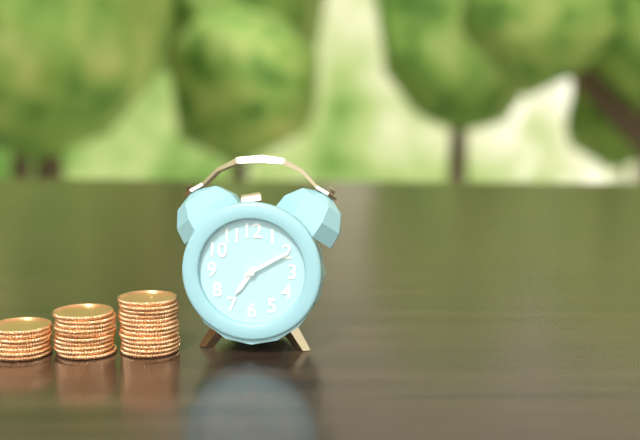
7:10
